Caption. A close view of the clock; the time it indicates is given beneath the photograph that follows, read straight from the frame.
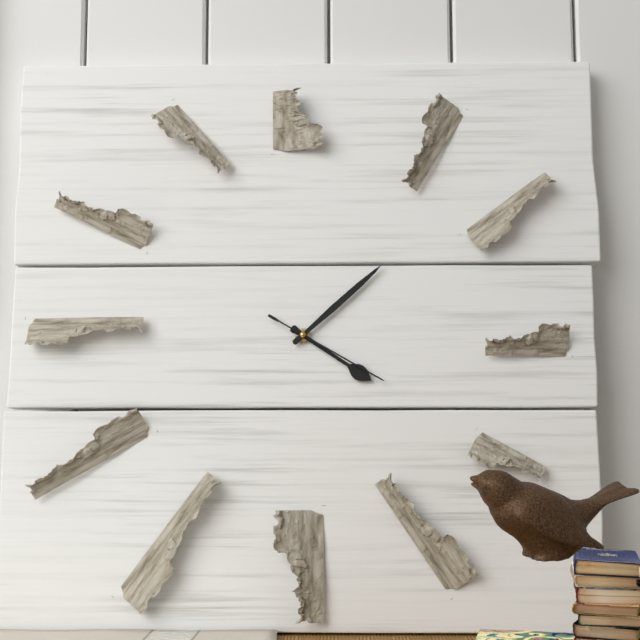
4:08:20
